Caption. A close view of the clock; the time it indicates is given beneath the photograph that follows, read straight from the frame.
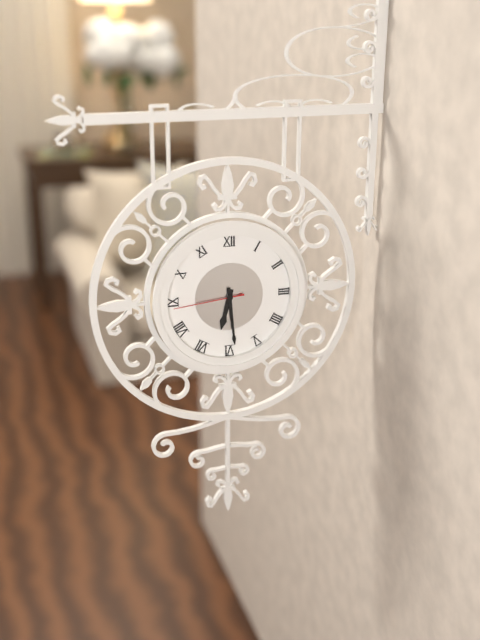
6:29:44
